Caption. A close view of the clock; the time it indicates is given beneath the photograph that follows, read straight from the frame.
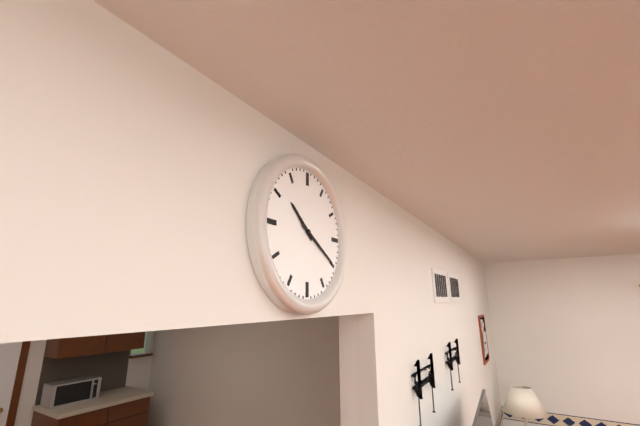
10:20
